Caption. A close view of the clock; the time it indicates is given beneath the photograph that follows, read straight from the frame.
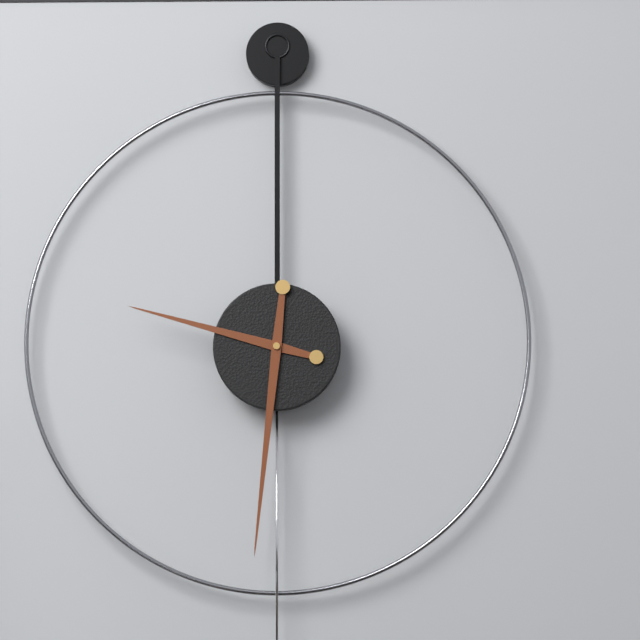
9:31
